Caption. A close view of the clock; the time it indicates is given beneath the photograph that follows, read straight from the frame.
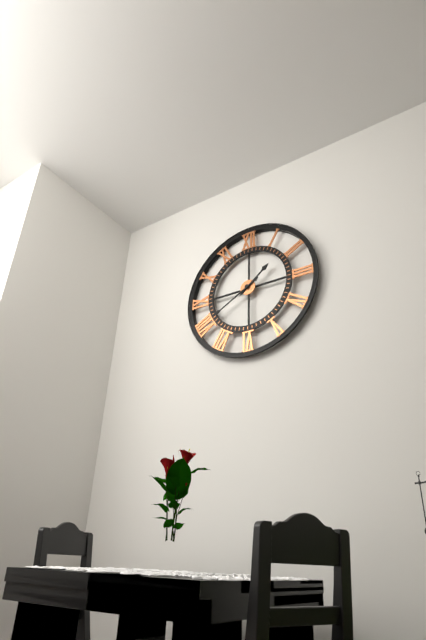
1:40
